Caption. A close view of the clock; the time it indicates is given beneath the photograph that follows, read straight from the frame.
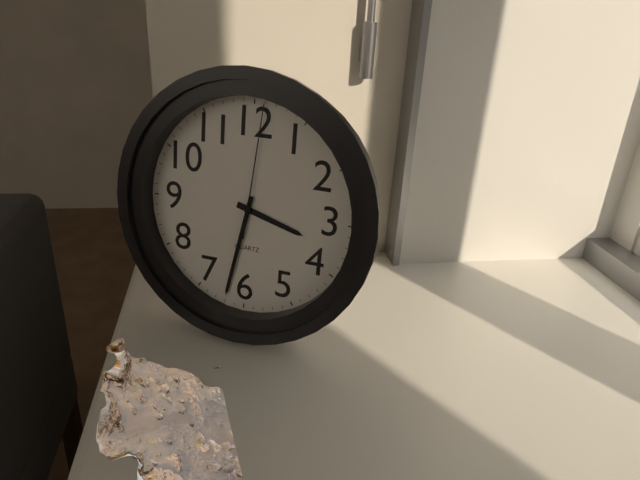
3:32:01
